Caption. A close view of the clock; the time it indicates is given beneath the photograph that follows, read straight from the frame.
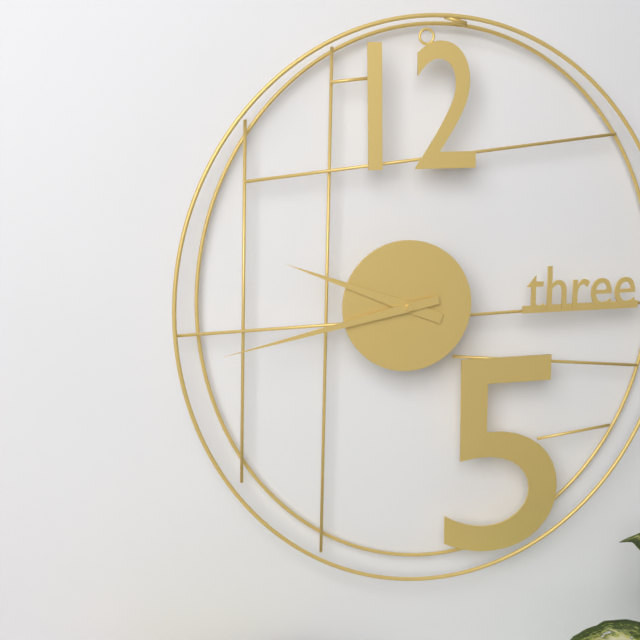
9:43
